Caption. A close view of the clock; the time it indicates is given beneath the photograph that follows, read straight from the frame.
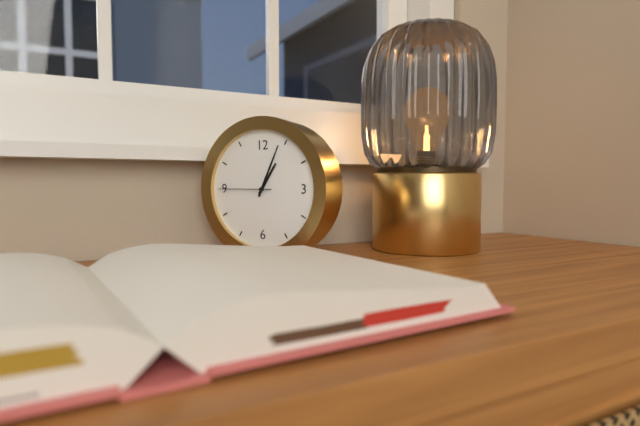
1:04:45
